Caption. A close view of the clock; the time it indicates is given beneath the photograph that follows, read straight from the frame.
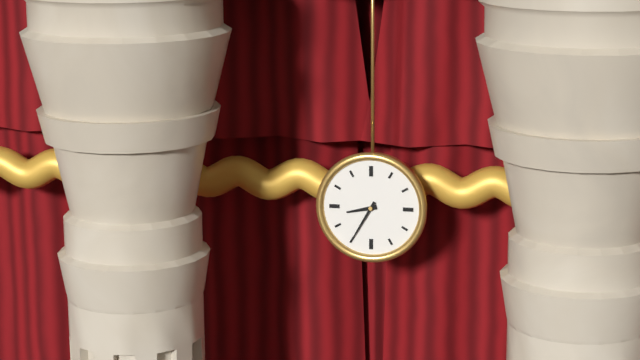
8:35
